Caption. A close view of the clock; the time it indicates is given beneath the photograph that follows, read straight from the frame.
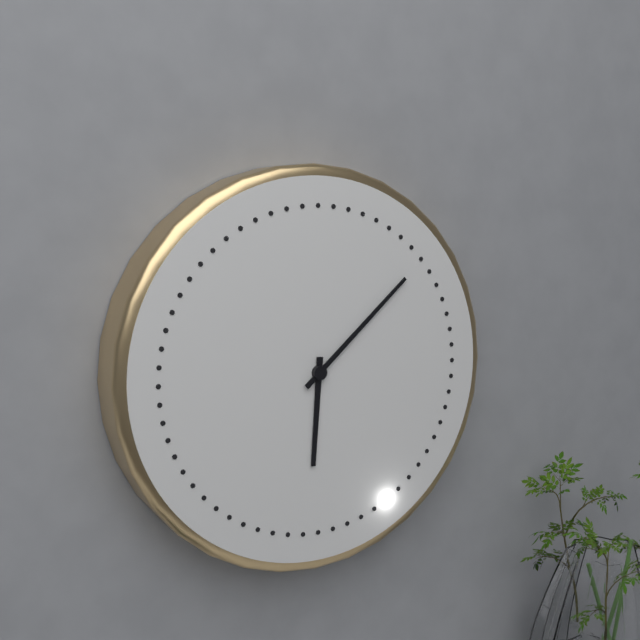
6:08
